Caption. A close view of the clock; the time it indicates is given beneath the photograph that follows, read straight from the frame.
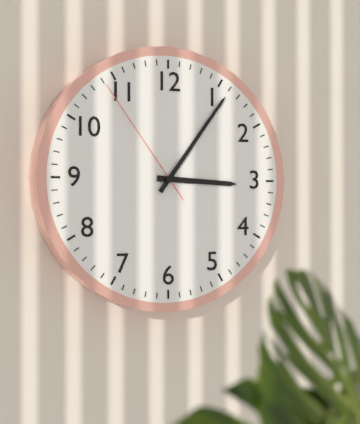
3:06:54
